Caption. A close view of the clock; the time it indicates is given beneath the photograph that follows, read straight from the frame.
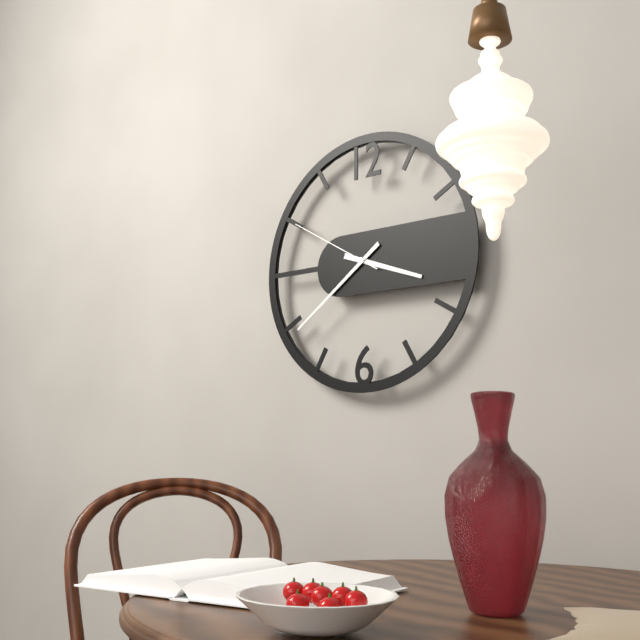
3:39:50
